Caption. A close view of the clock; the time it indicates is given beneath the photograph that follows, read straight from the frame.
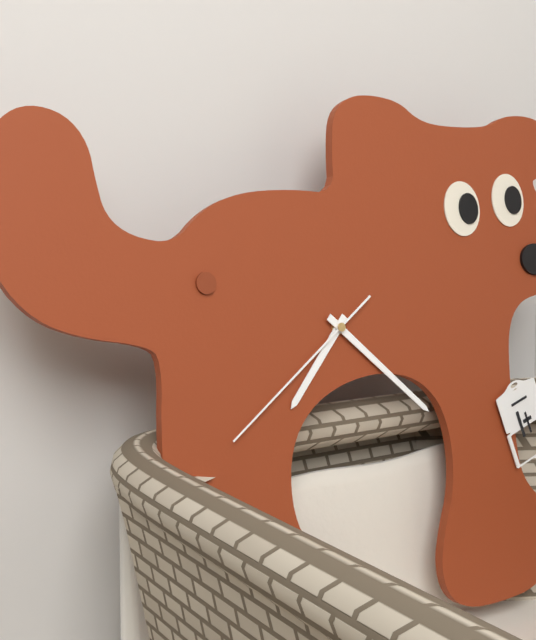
7:22:39
